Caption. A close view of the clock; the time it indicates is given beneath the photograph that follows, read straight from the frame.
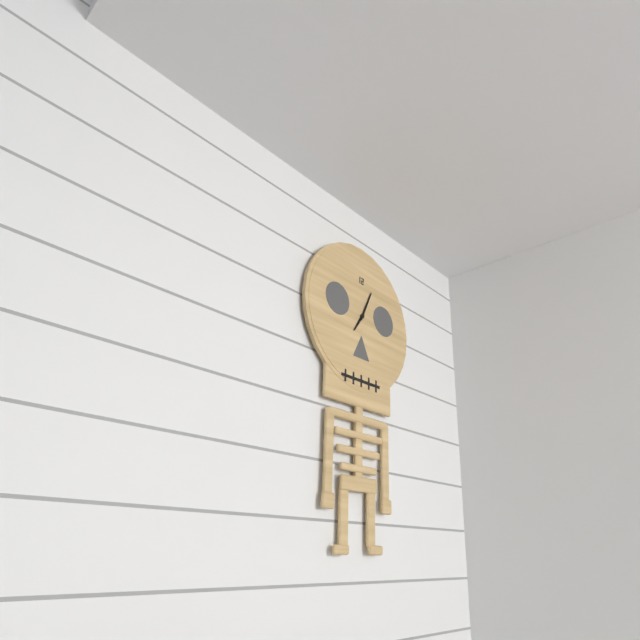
7:04
